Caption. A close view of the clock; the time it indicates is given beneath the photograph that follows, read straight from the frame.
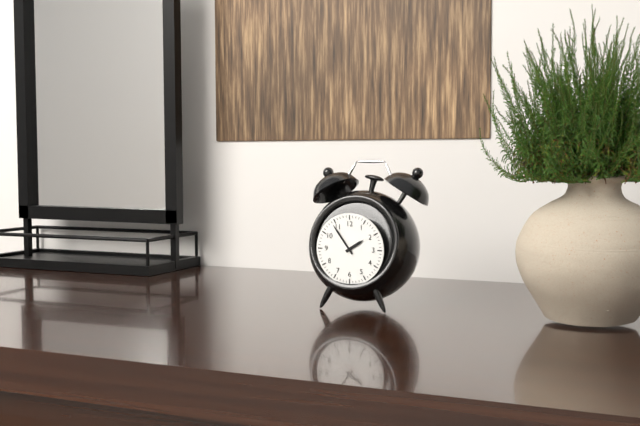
1:54
